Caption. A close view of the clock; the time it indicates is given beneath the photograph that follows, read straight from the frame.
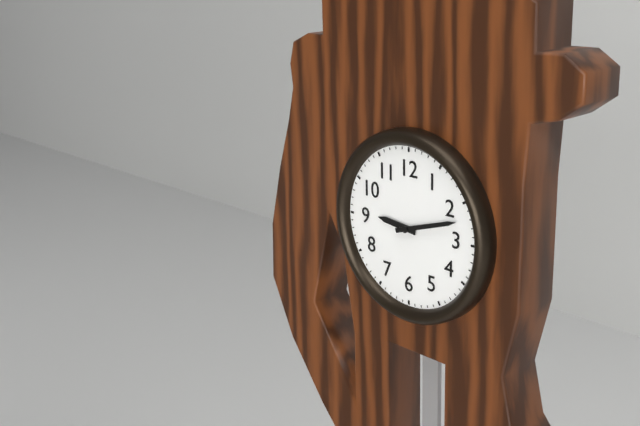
9:12
